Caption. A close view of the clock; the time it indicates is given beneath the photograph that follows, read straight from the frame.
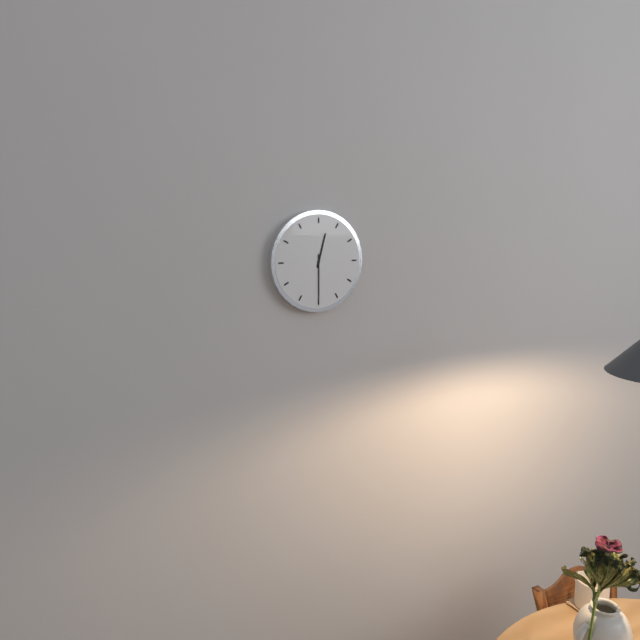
12:30
